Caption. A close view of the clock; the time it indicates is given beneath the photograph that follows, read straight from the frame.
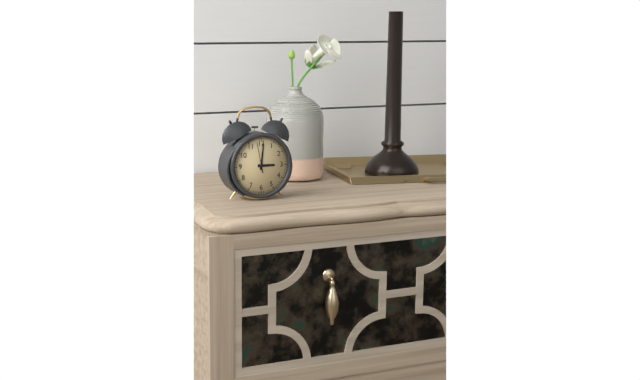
3:01
